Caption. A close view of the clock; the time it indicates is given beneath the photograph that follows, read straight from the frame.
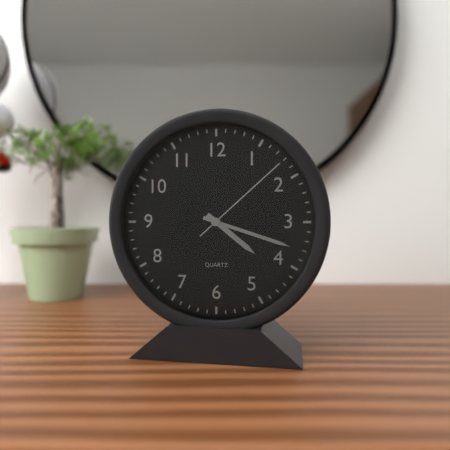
4:18:08
